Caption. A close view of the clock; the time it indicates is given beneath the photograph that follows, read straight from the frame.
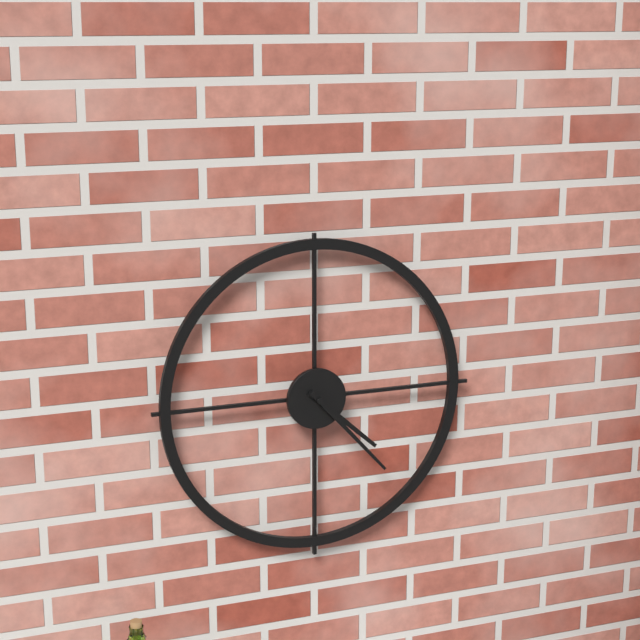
4:23
